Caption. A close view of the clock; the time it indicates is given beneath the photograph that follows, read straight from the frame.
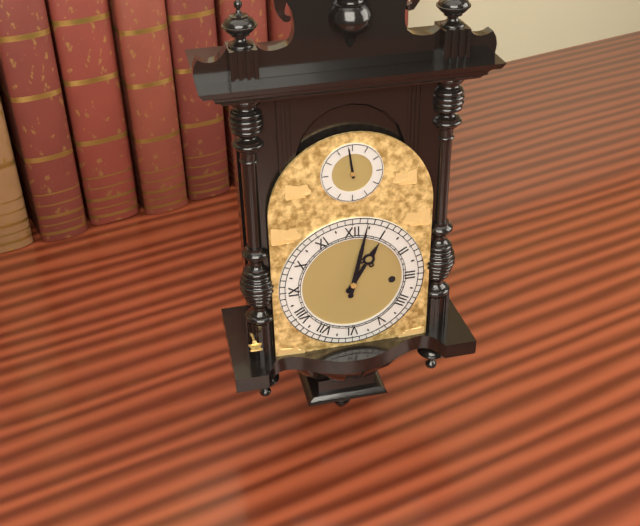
1:02
